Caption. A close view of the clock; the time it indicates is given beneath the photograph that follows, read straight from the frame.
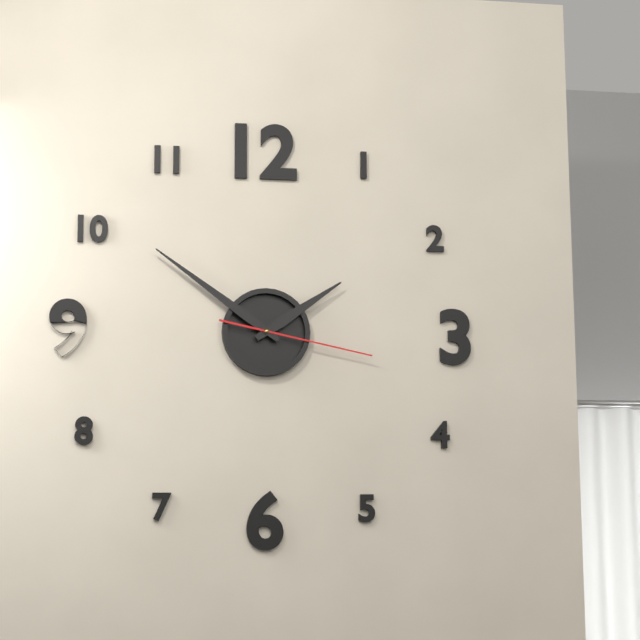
1:51:17
